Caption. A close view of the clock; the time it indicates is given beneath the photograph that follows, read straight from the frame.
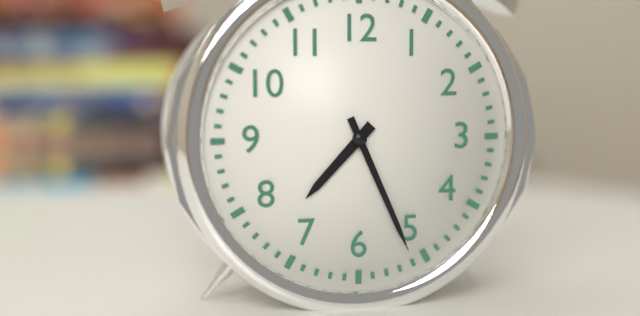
7:26
